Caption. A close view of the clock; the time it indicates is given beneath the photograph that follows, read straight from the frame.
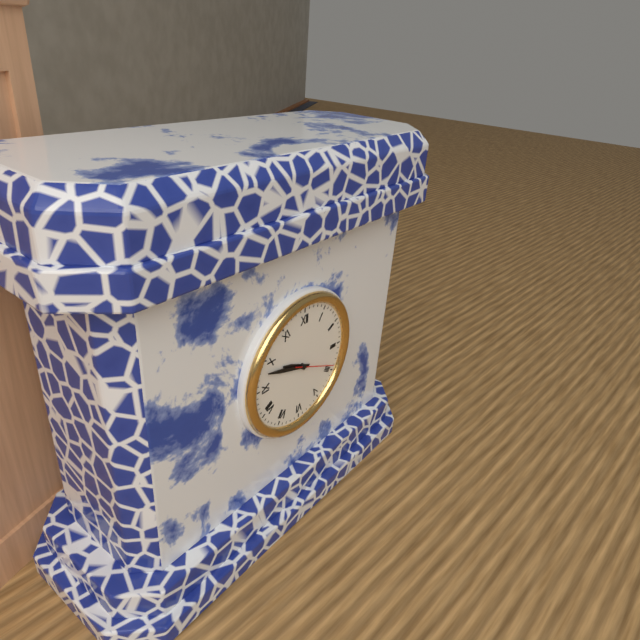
9:48:19
